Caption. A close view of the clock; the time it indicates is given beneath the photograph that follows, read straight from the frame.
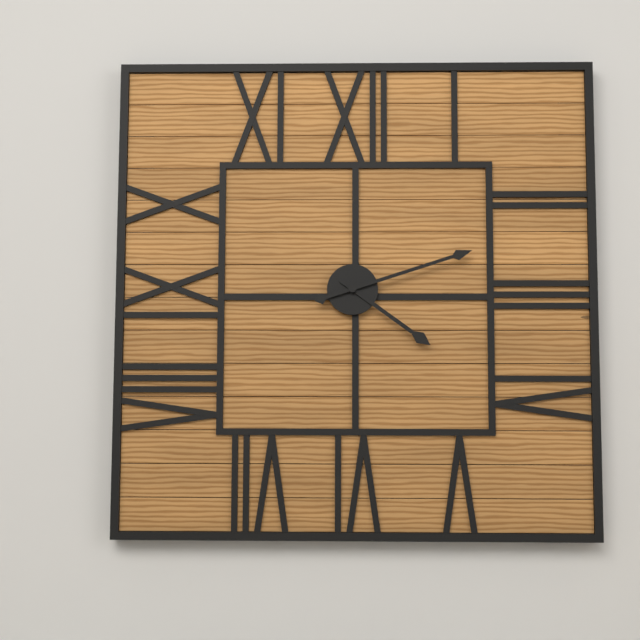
4:12
